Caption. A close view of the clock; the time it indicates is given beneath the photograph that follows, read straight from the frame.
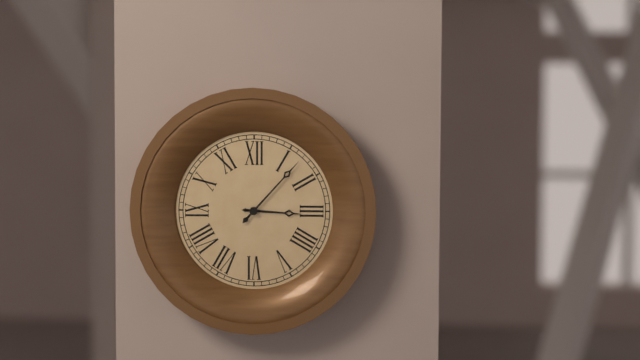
3:07
